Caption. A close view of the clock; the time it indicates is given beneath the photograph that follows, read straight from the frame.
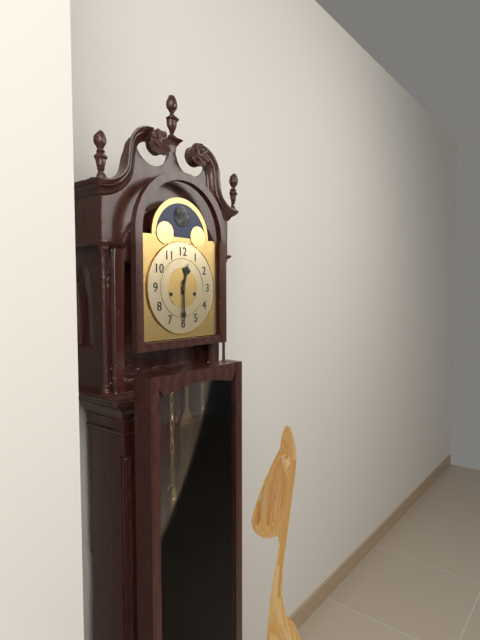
12:30
